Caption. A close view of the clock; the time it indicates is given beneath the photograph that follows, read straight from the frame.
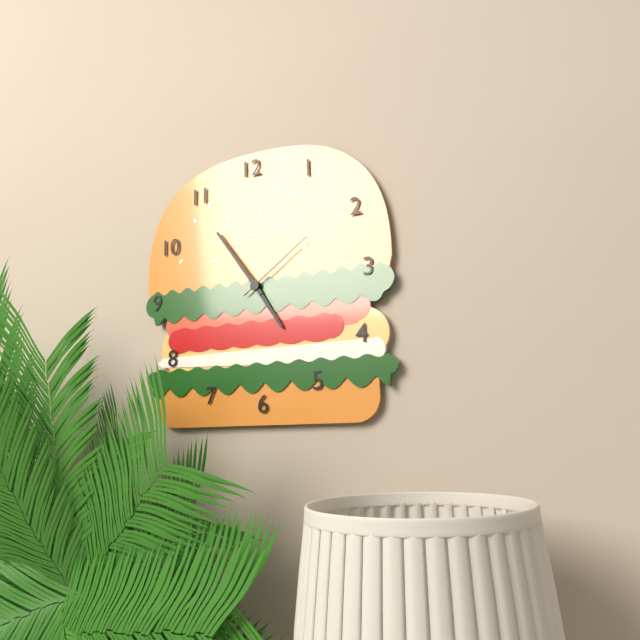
4:54:09
